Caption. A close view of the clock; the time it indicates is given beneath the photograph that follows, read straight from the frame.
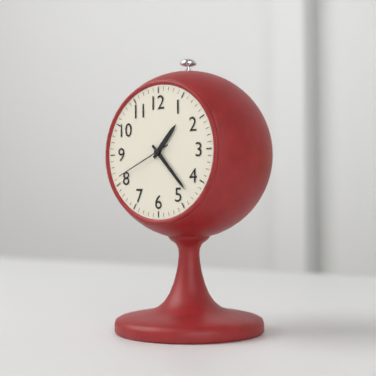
1:23:41
